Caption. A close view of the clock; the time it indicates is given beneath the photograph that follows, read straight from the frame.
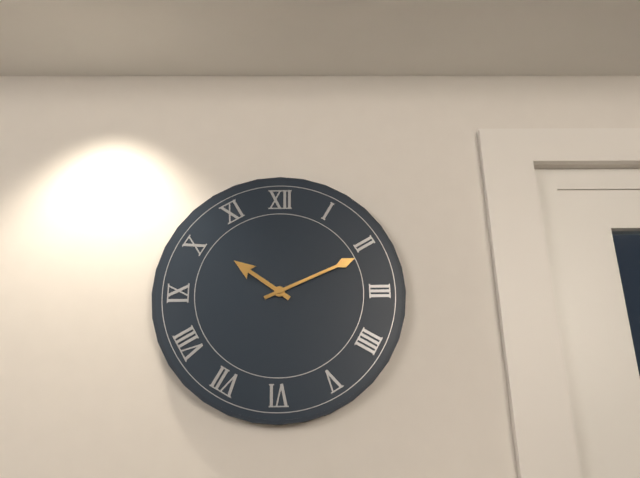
10:11
